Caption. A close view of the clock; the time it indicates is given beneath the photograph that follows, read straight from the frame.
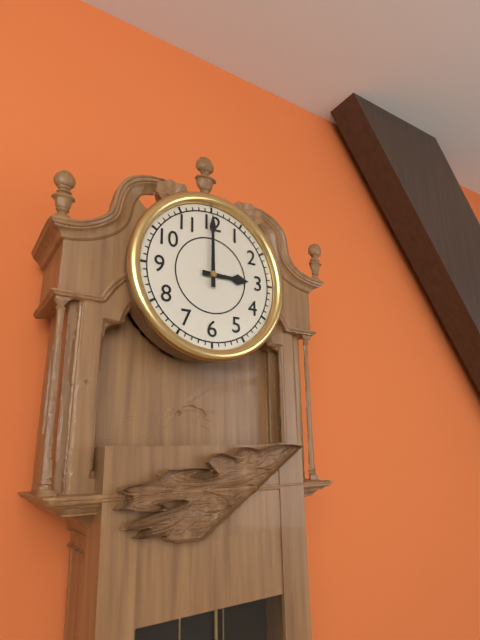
3:00
